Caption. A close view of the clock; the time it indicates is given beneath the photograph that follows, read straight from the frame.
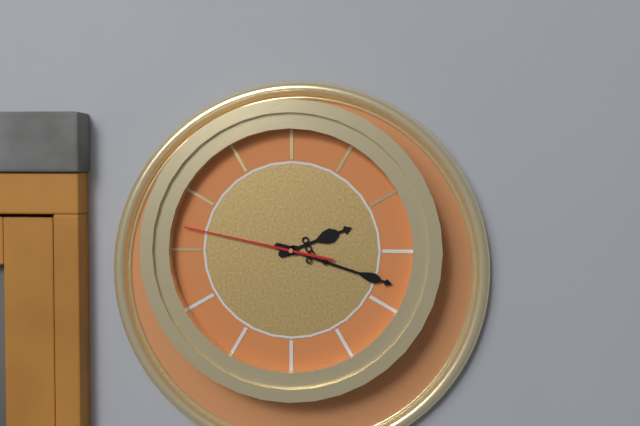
2:18:47
